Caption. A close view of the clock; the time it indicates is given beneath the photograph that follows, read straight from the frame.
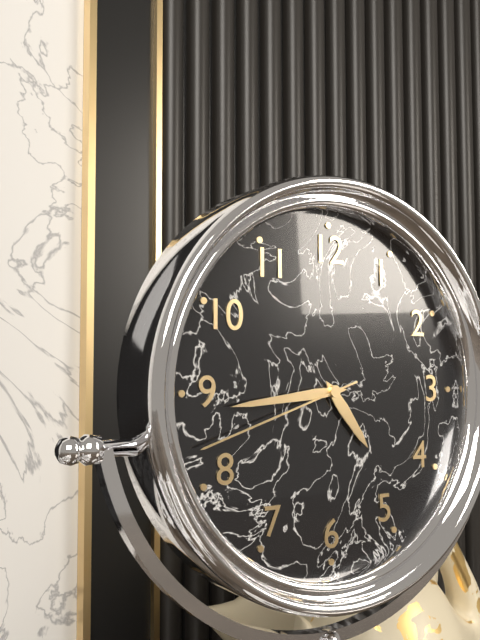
4:44:42
